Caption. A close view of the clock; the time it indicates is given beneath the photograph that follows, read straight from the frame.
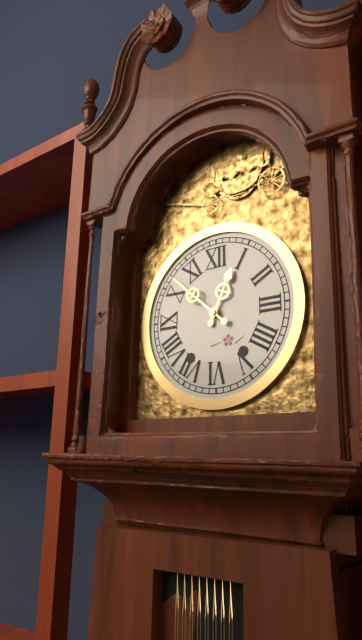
12:52
